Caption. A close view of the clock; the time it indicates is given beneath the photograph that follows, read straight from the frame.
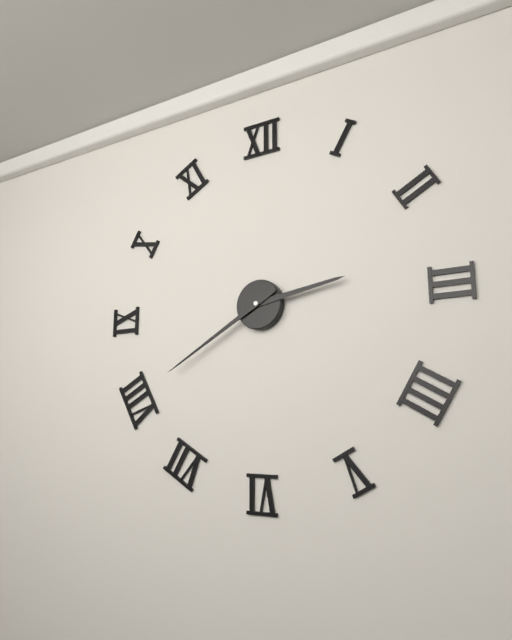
2:40
